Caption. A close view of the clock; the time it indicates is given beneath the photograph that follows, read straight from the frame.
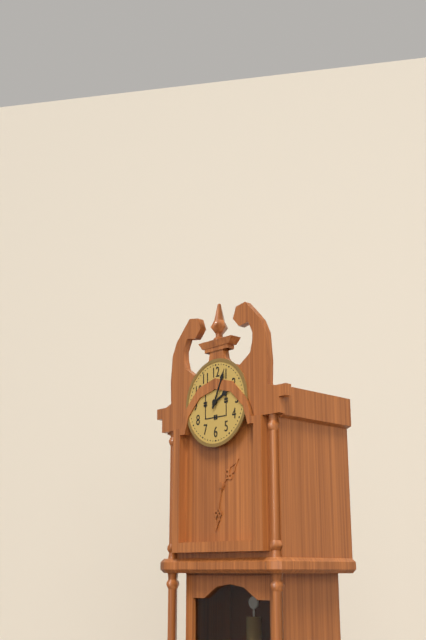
2:04
